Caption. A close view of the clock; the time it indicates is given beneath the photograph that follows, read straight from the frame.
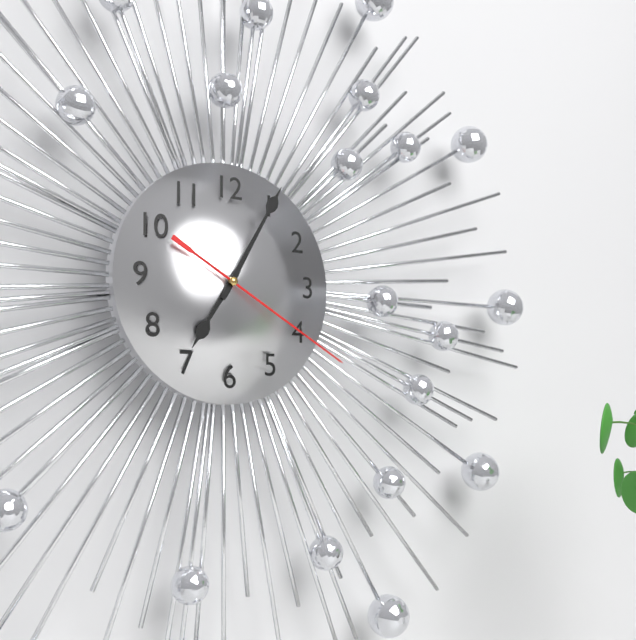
7:05:20
